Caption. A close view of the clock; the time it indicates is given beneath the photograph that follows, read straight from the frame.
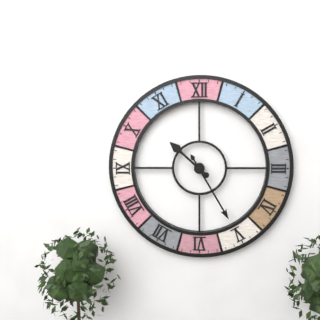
10:25
